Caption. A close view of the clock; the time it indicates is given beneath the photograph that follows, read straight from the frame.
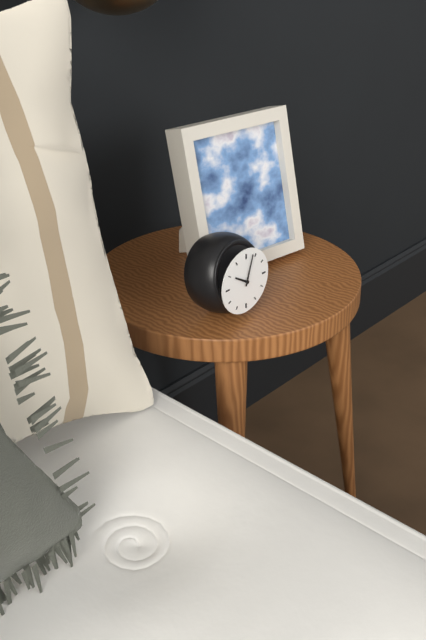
10:03
